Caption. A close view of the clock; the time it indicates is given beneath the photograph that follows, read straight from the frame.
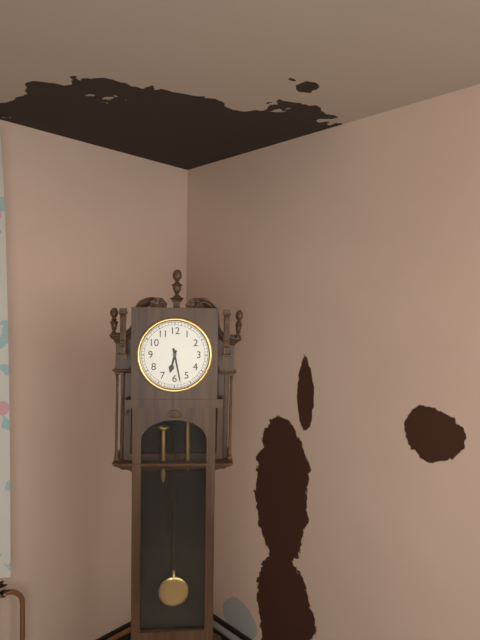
6:28
